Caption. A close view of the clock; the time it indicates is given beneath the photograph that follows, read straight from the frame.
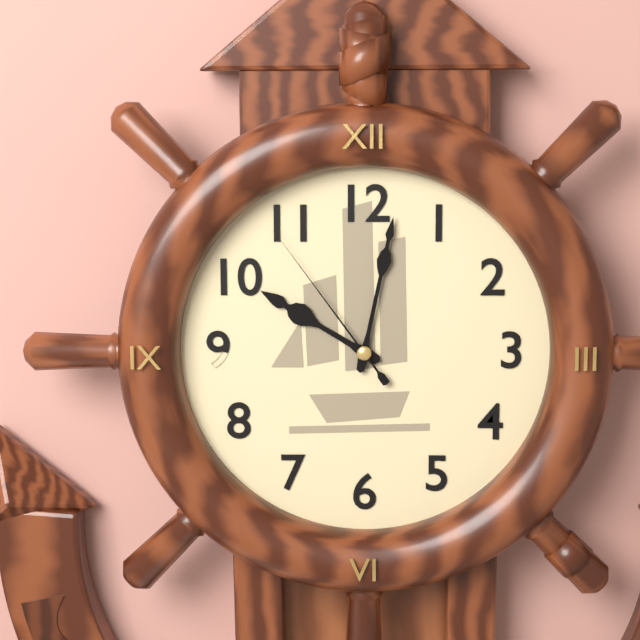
10:02:54
